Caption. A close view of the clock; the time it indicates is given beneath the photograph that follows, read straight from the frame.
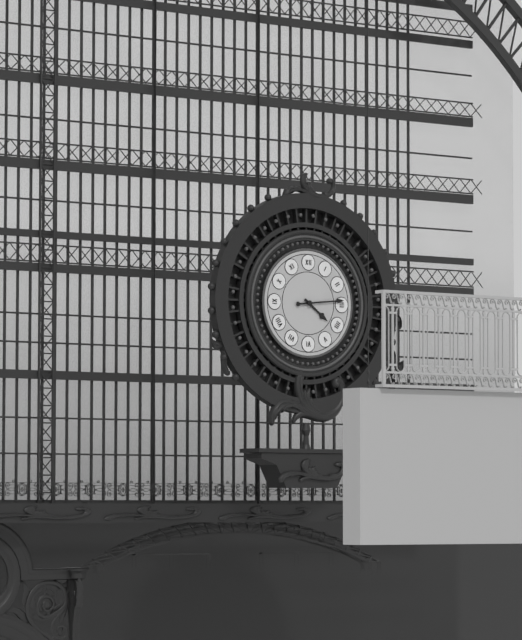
4:14
